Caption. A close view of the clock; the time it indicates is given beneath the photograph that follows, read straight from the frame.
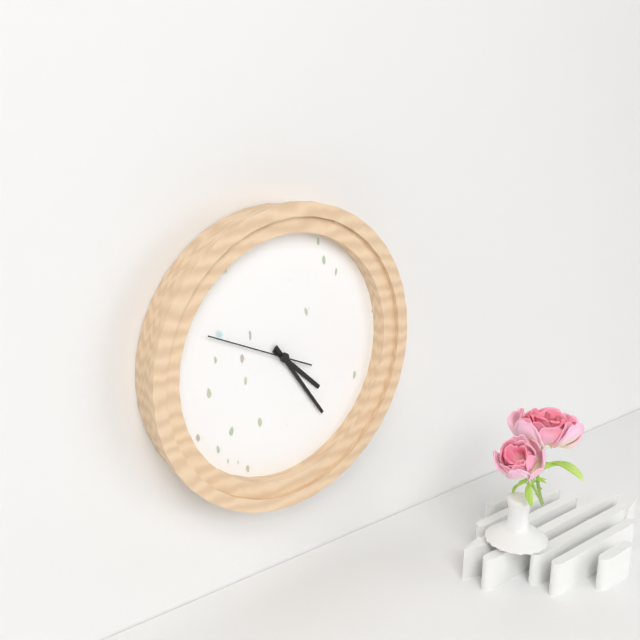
4:24:49
